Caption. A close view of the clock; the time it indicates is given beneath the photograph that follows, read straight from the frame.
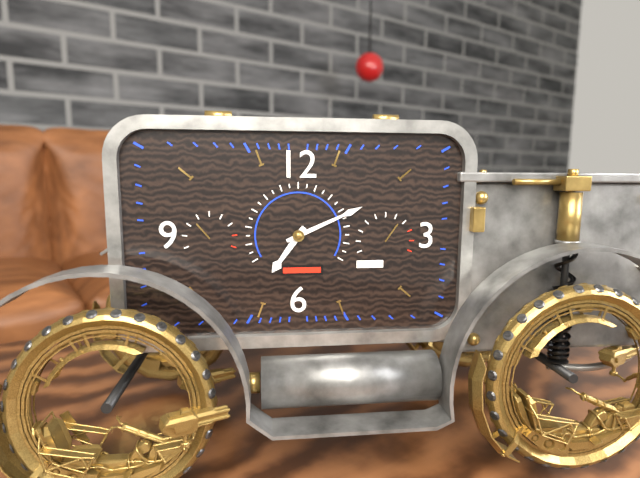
7:11
